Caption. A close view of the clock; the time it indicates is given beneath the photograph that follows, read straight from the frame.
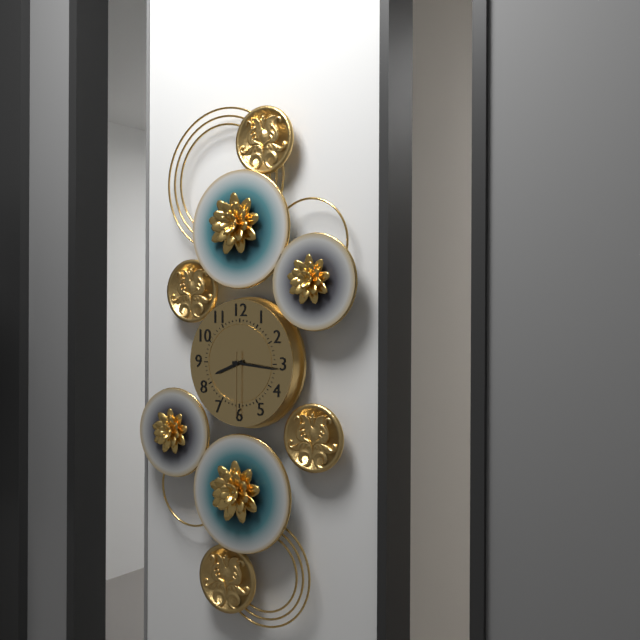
8:16:30
